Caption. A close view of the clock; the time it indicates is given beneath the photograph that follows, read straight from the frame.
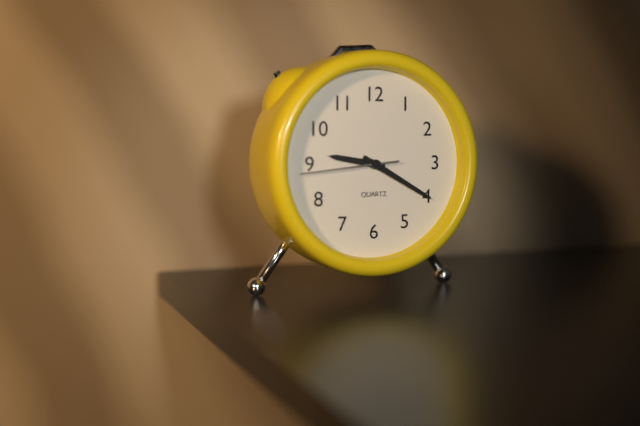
9:20:44
